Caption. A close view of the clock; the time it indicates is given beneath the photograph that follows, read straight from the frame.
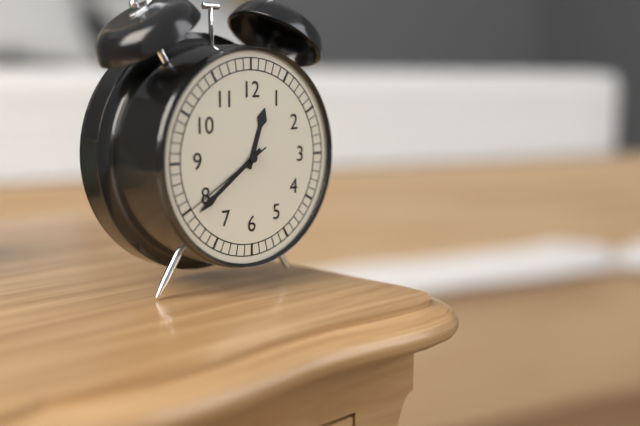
12:39:40
